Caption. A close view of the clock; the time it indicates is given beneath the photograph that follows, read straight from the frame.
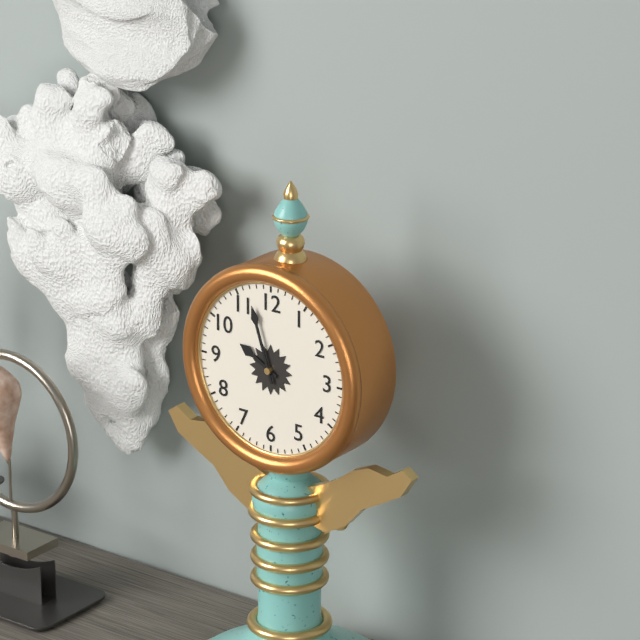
9:57
